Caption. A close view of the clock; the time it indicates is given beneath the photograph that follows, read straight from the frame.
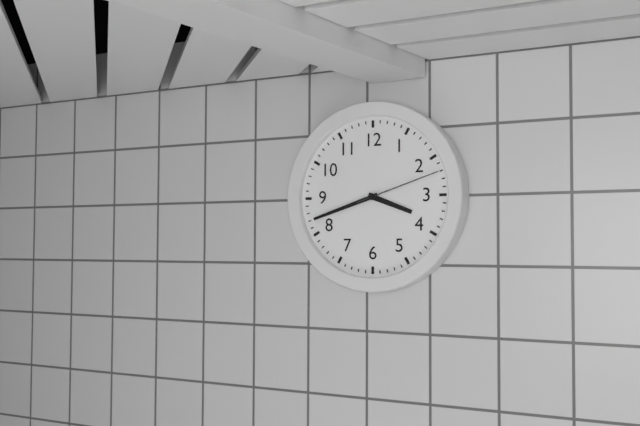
3:42:12
